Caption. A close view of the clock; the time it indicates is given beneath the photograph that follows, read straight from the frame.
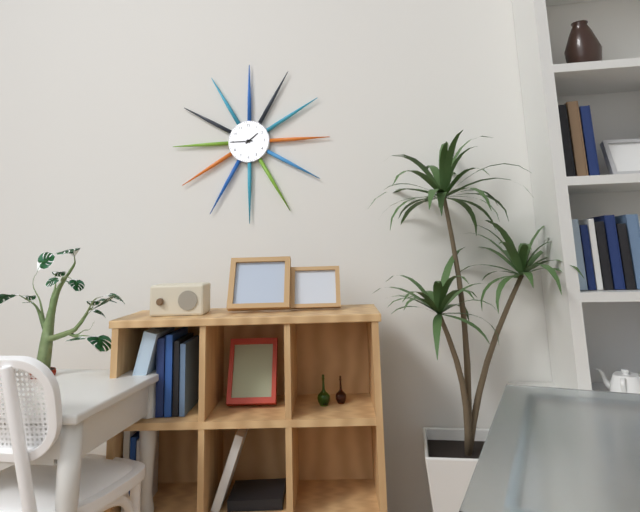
1:45
